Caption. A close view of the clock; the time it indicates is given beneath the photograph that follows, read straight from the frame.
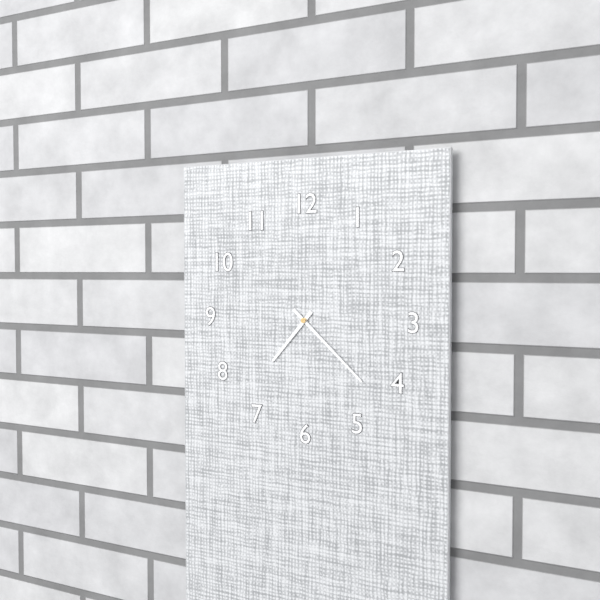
7:22
